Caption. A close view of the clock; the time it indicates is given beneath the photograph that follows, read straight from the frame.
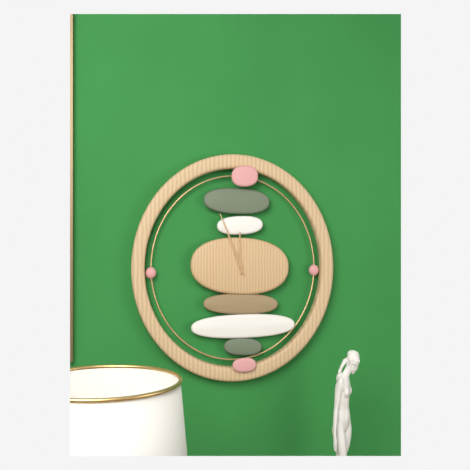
11:56
